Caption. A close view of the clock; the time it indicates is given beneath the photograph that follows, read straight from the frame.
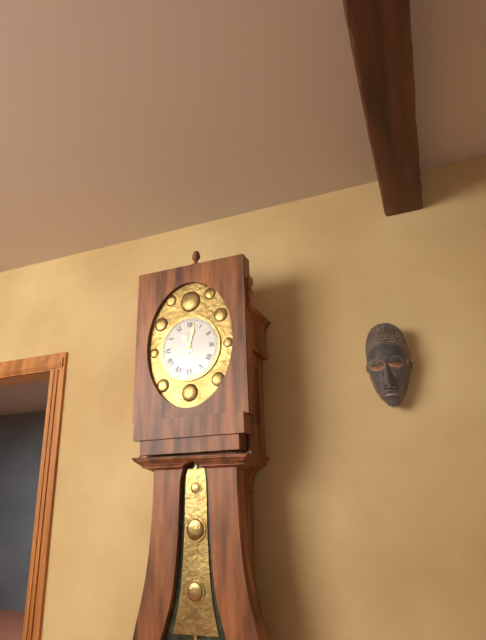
11:02
